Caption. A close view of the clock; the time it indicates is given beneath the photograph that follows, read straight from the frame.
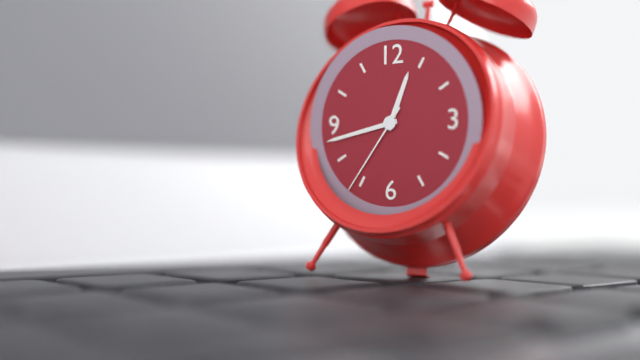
12:43:36
